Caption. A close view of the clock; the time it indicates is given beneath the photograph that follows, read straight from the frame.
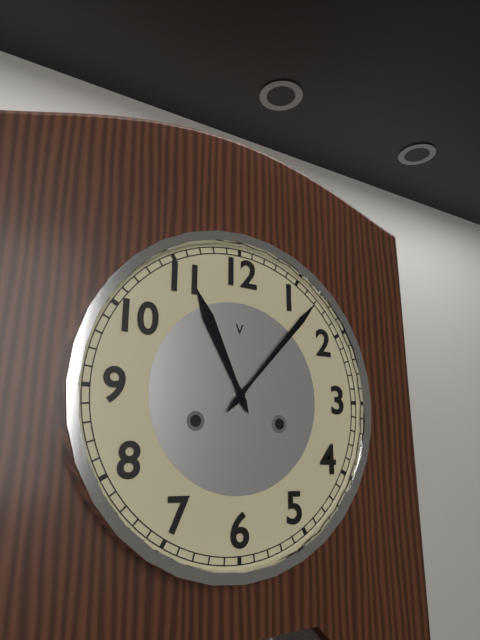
11:07
